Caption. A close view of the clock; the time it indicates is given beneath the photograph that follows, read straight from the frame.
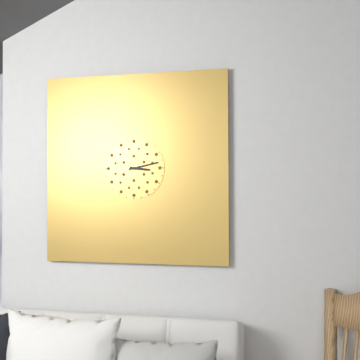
3:13
